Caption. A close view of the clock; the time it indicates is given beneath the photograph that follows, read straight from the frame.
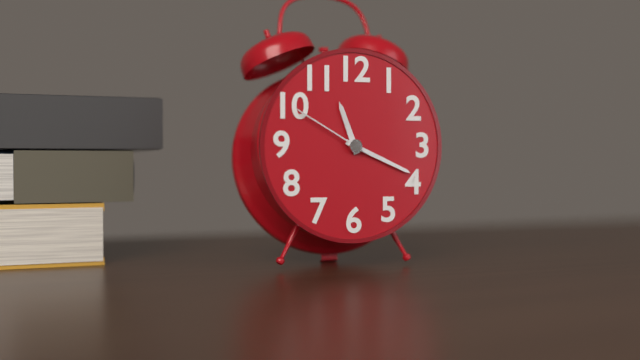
11:19:50
